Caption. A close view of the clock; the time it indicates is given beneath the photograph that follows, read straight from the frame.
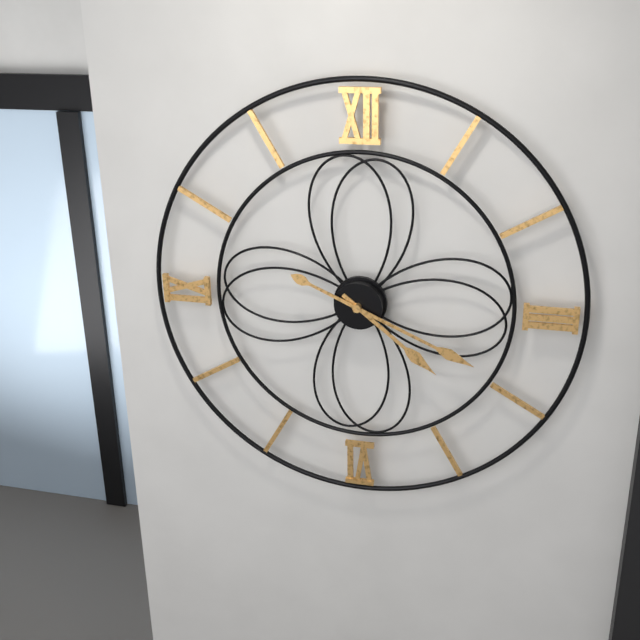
4:19
